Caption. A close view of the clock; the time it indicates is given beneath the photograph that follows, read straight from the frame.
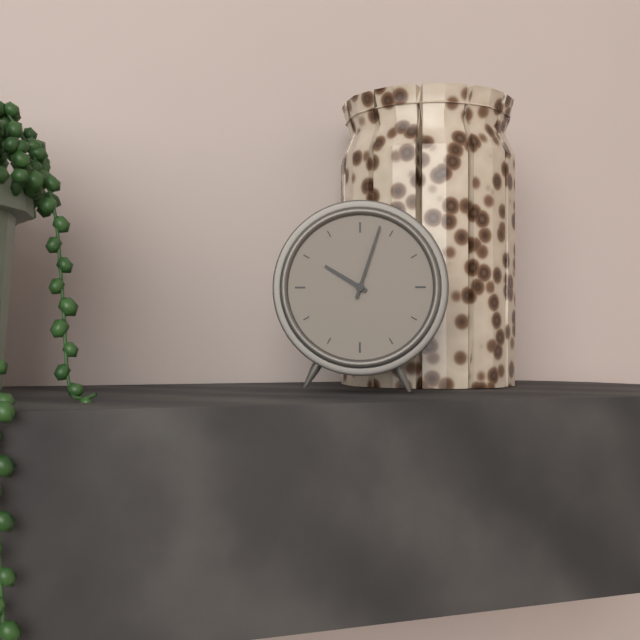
10:03
